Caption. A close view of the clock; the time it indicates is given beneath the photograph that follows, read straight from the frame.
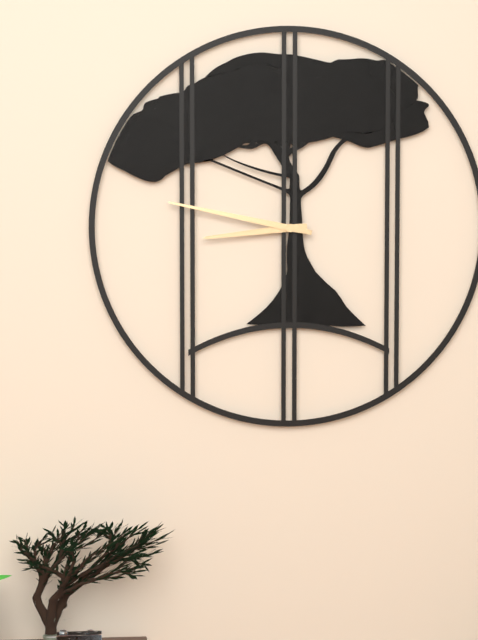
8:47
